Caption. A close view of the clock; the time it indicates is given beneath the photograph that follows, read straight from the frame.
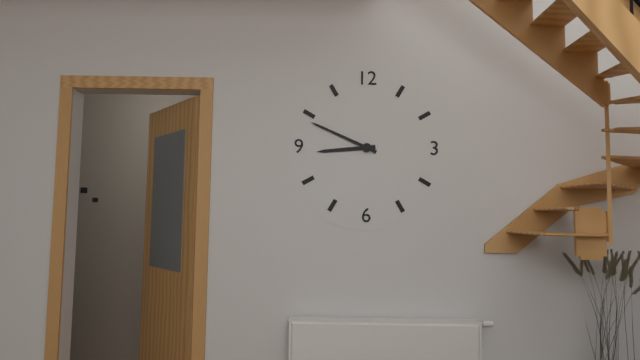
8:49
